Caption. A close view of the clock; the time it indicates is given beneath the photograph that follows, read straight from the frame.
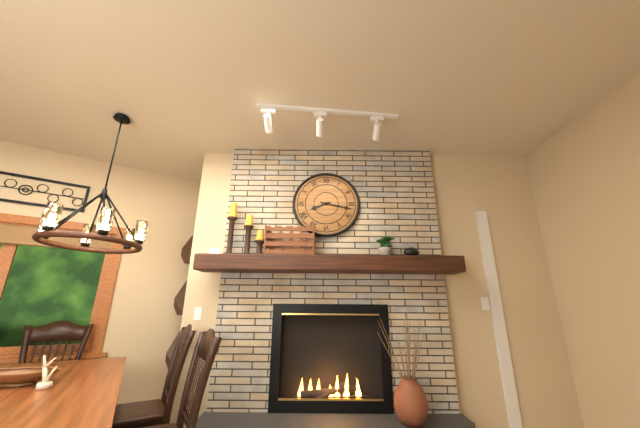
8:17
